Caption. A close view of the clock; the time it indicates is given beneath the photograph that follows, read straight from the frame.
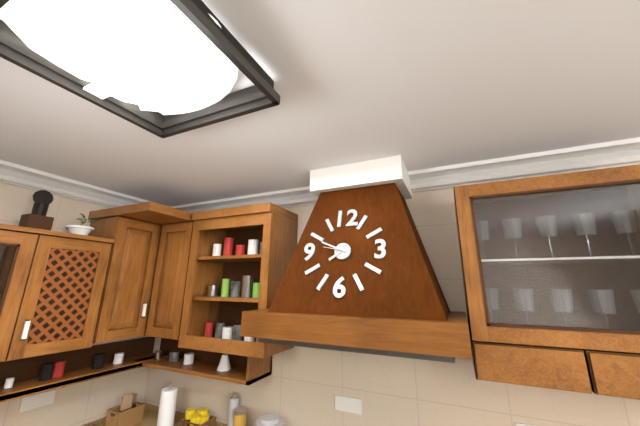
7:49
